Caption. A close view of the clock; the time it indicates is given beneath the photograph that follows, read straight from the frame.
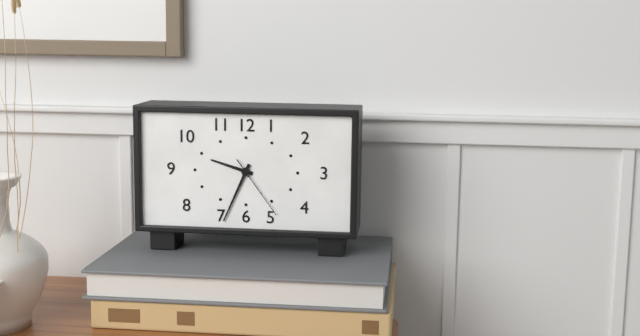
9:34:24
